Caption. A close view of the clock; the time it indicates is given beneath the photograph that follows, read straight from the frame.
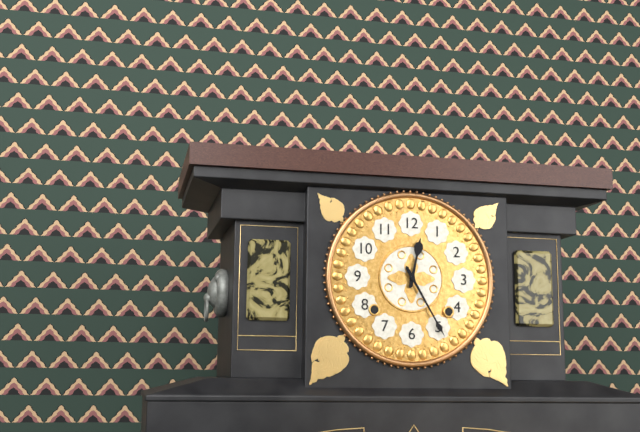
12:25
